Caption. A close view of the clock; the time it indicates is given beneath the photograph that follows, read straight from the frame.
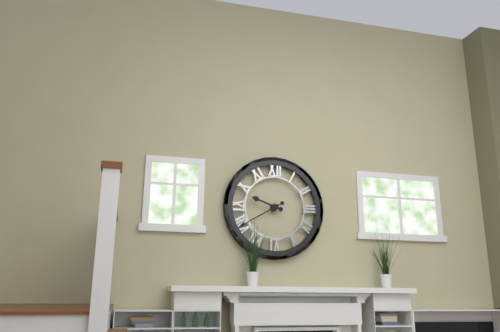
9:40
